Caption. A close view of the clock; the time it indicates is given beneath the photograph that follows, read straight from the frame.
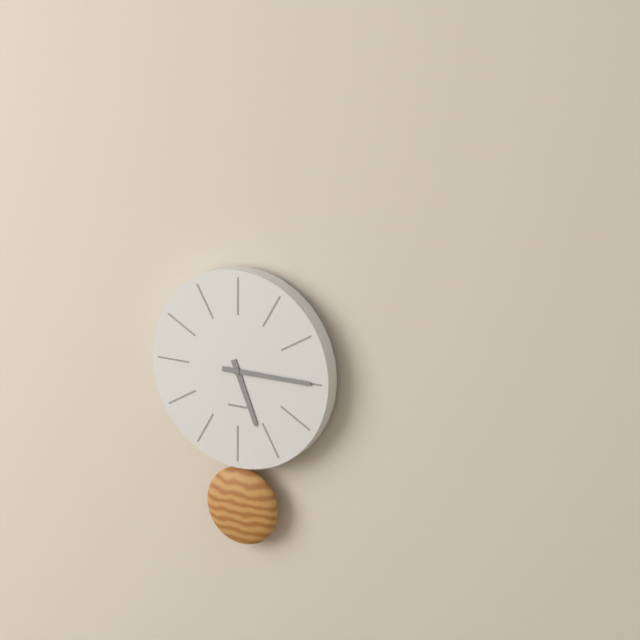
5:15
